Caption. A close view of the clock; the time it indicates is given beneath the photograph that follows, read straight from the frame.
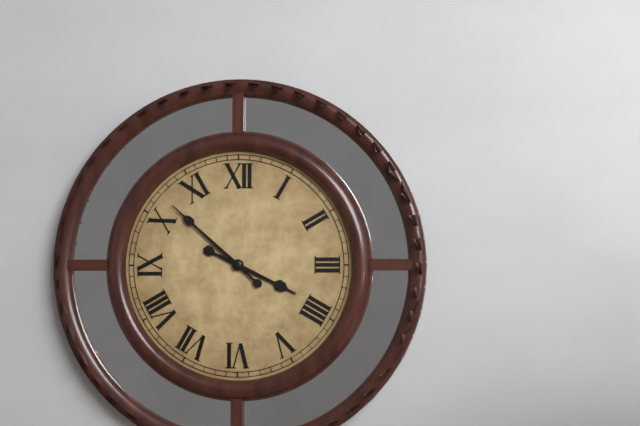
3:52
